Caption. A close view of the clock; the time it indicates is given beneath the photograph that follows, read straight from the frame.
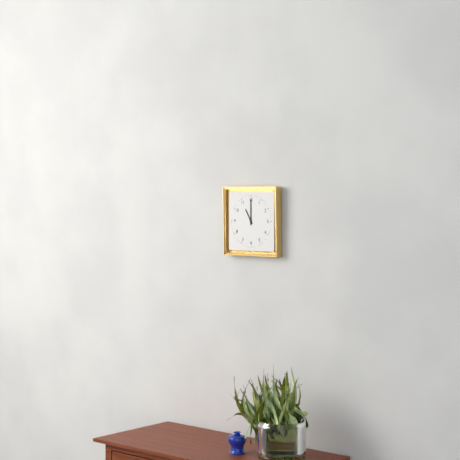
11:00
